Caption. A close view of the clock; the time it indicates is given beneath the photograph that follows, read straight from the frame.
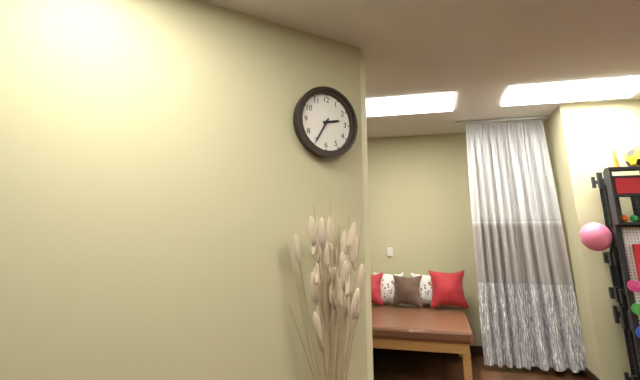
2:35
